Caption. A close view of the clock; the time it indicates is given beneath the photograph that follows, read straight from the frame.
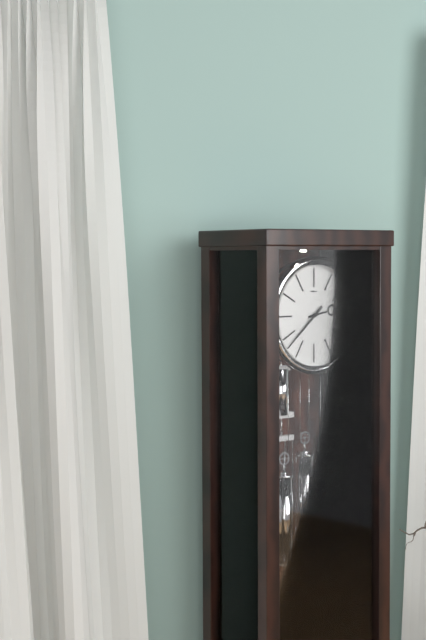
2:38
